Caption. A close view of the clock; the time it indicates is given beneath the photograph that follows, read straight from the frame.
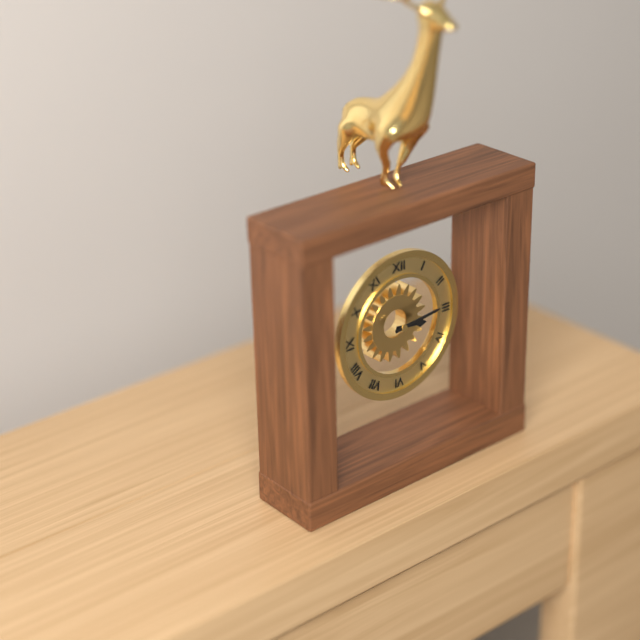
3:14
